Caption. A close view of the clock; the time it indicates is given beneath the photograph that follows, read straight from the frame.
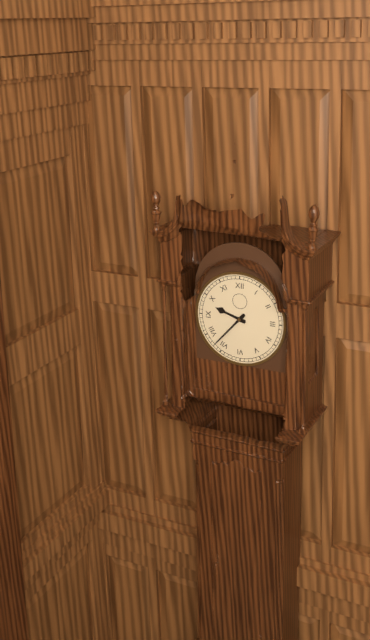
9:37
